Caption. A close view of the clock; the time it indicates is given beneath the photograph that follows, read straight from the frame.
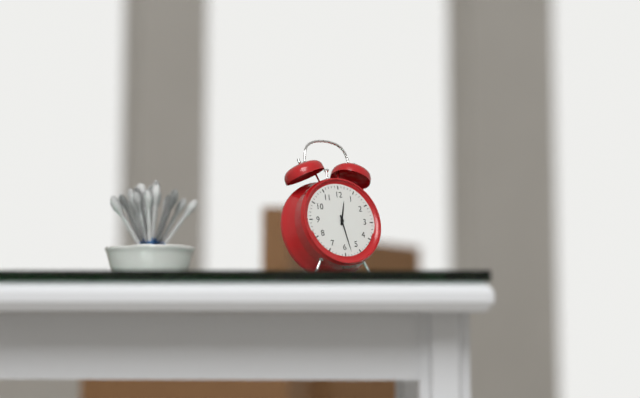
12:28
